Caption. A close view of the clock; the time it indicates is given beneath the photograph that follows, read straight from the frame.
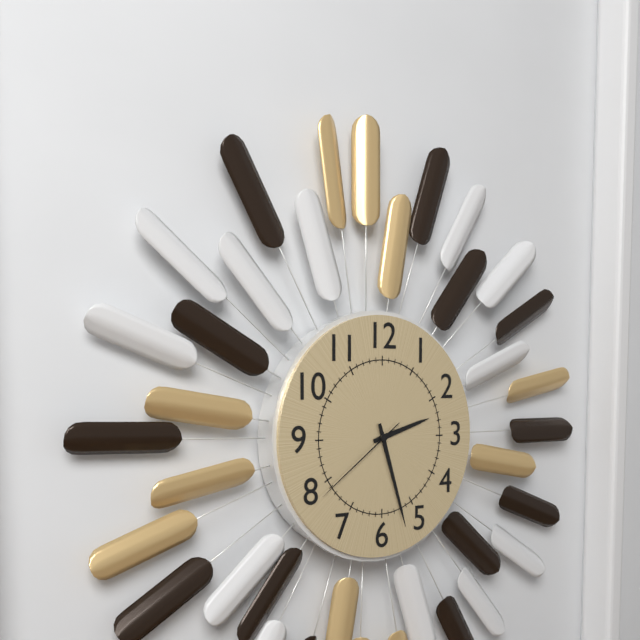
2:27:39
